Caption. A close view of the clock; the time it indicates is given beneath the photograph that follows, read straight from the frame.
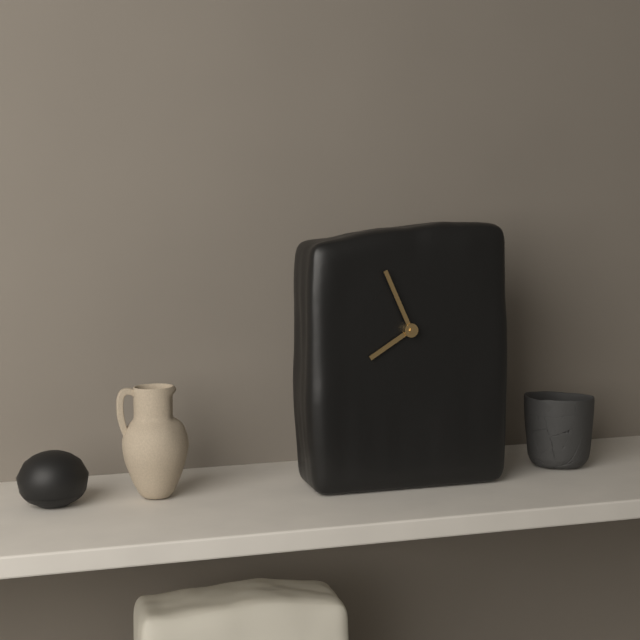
7:56
